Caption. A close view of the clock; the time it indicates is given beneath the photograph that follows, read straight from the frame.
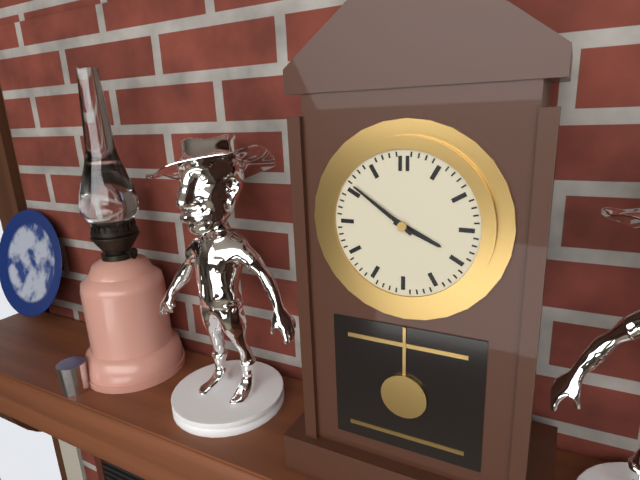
3:51
